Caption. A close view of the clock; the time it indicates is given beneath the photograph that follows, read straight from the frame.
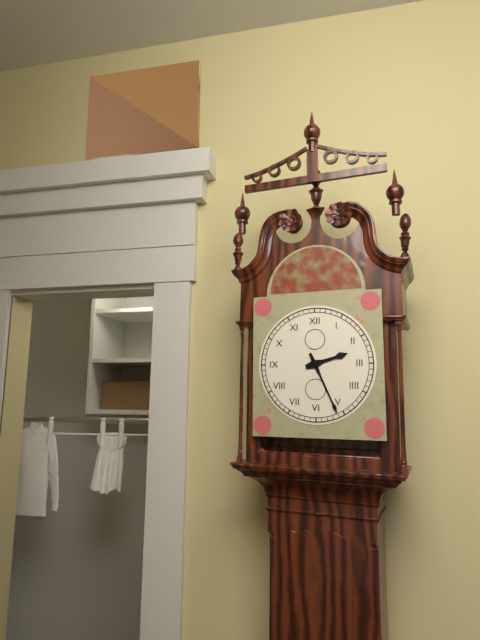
2:26
